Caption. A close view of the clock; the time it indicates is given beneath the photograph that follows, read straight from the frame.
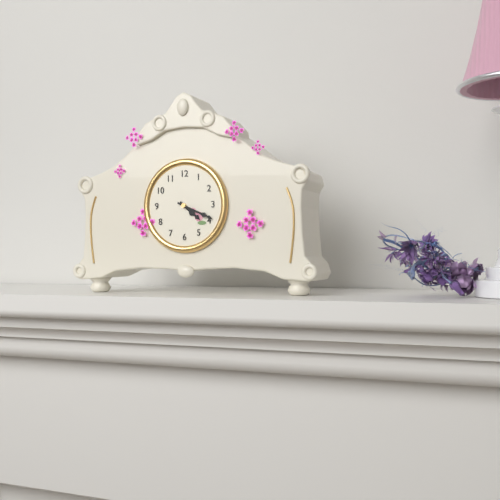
4:19
